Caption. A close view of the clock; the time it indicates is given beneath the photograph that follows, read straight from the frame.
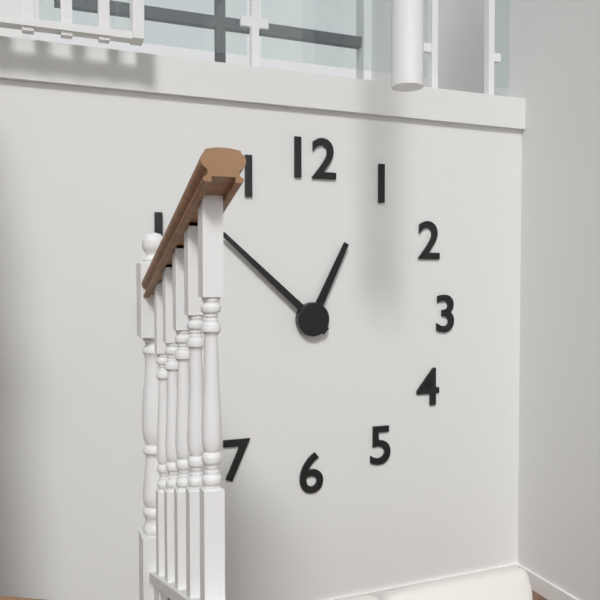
12:52
